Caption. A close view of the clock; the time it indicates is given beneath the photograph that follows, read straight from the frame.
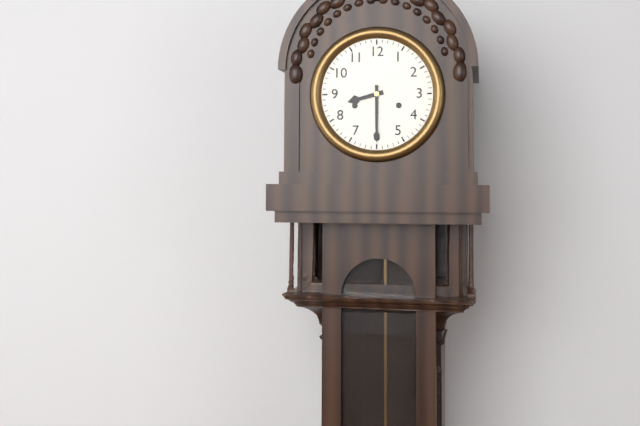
8:30
